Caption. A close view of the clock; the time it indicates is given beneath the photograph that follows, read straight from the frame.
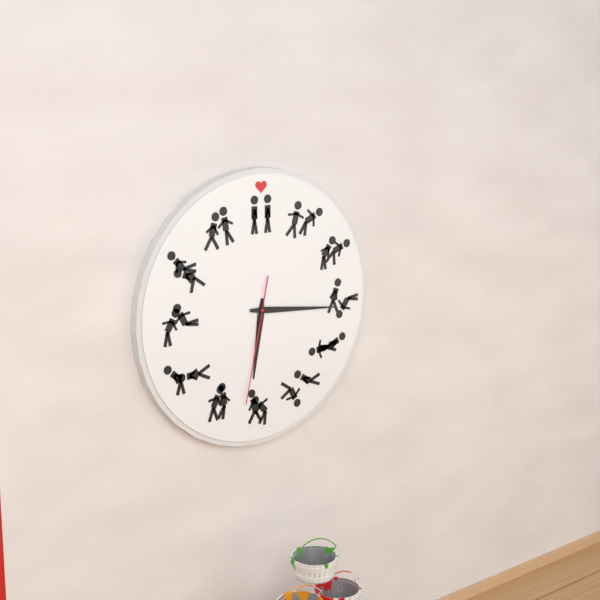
6:16:32
